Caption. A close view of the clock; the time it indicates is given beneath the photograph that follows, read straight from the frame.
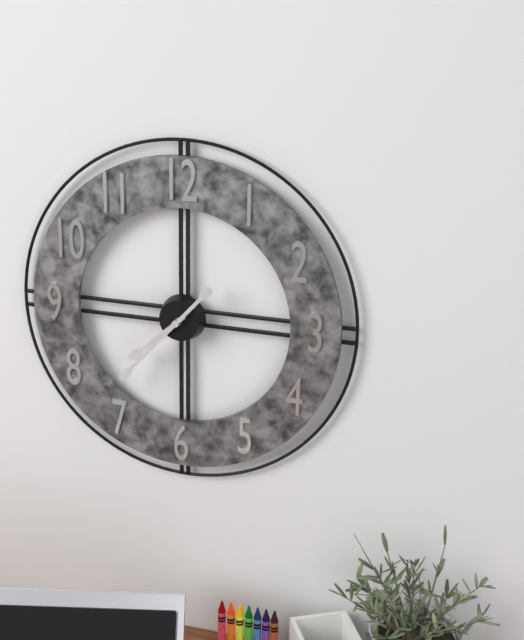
7:37
